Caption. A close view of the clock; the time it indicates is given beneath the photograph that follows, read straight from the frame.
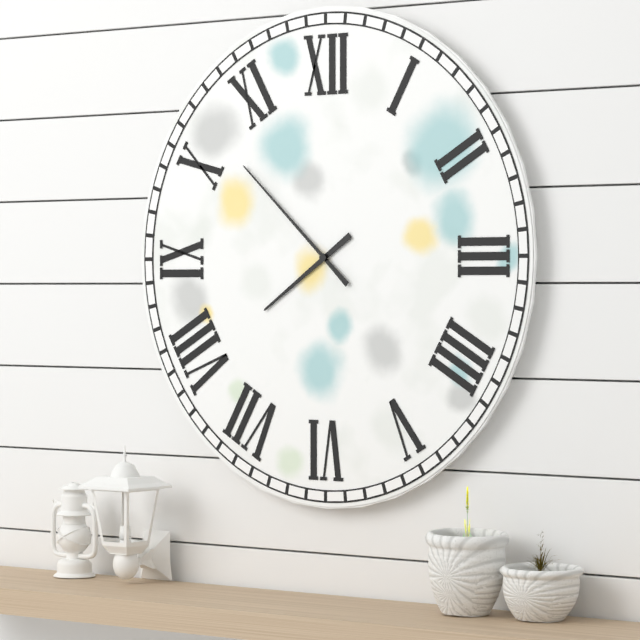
7:52
